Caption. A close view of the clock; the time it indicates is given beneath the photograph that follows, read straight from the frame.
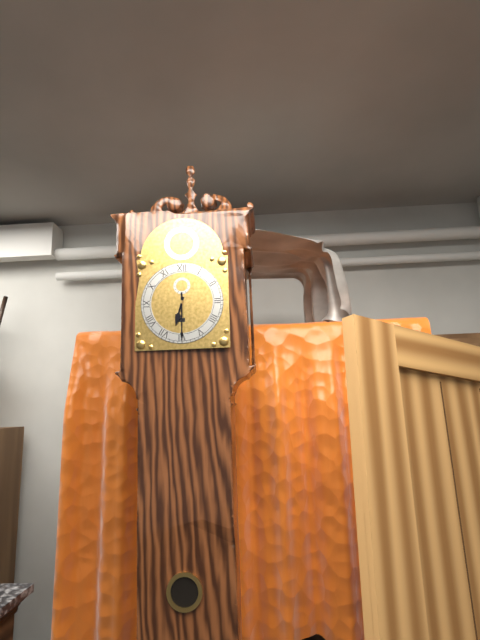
6:30
